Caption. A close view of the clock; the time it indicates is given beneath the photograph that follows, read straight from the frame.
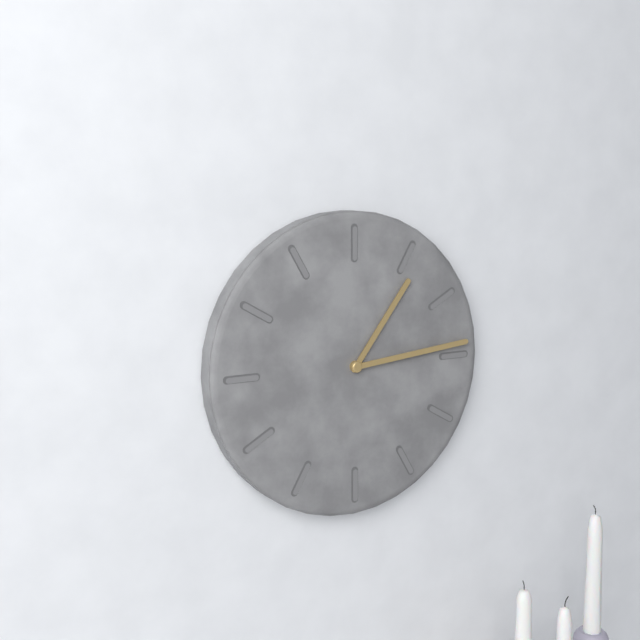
1:14
